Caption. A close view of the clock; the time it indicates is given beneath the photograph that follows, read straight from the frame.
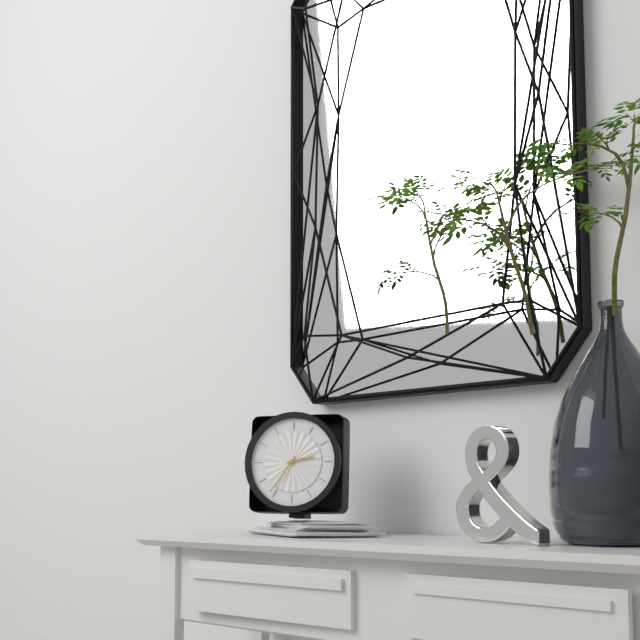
2:36
